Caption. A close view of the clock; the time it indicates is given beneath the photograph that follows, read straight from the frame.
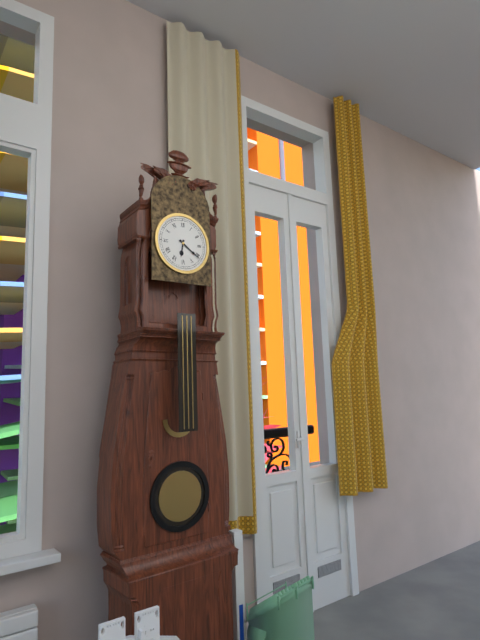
6:21
